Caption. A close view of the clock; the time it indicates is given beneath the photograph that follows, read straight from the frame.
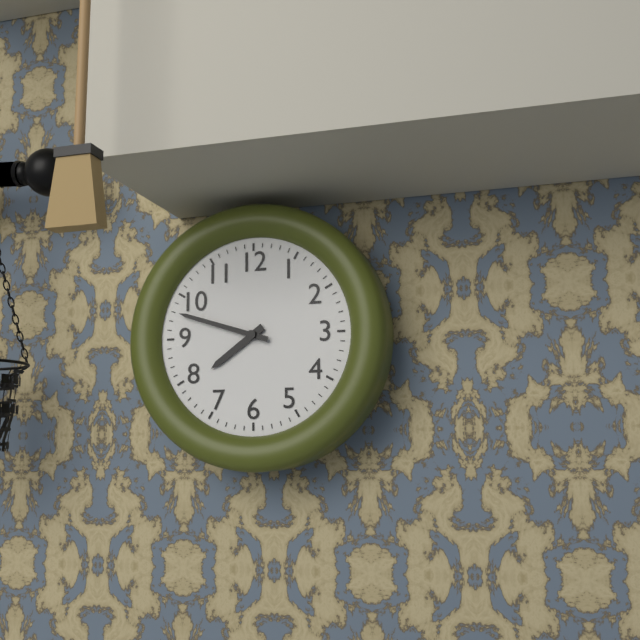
7:48
